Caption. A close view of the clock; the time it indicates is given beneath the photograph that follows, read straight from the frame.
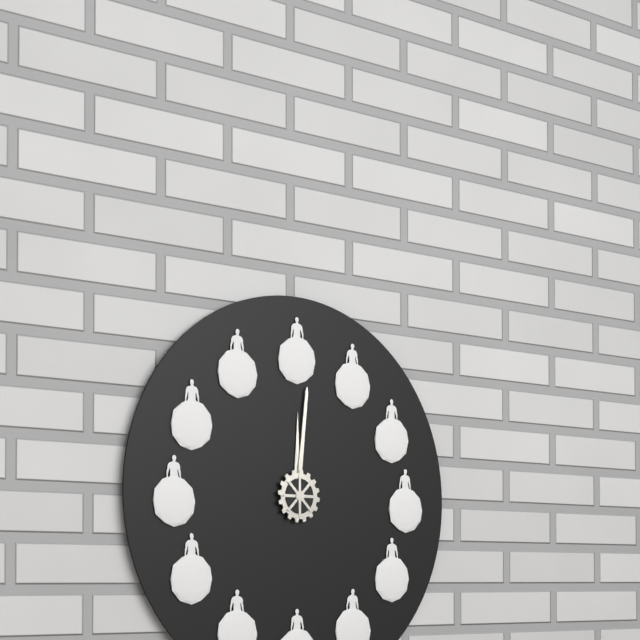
12:01
